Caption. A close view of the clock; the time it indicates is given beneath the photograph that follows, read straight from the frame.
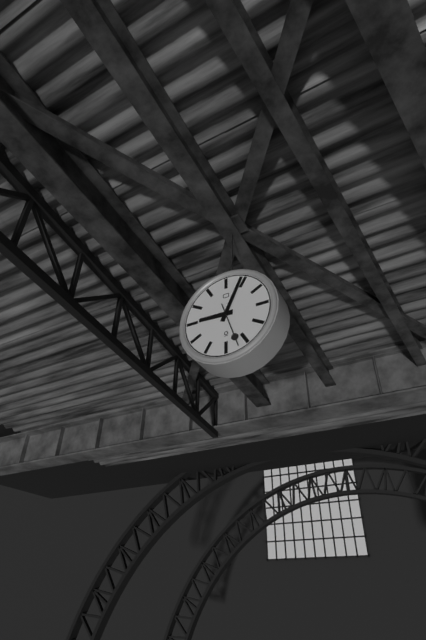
9:04
